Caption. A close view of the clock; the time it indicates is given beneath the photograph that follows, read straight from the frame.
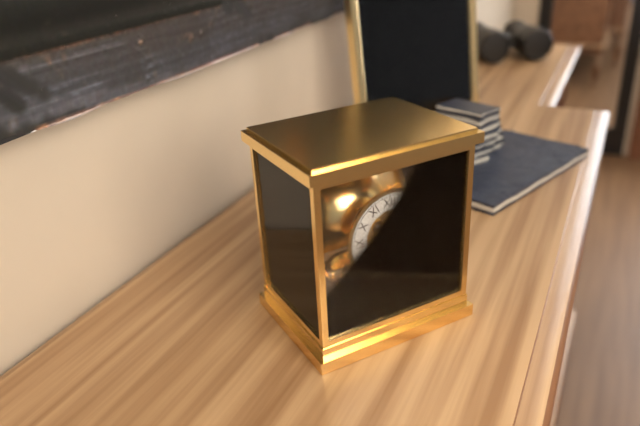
9:21
